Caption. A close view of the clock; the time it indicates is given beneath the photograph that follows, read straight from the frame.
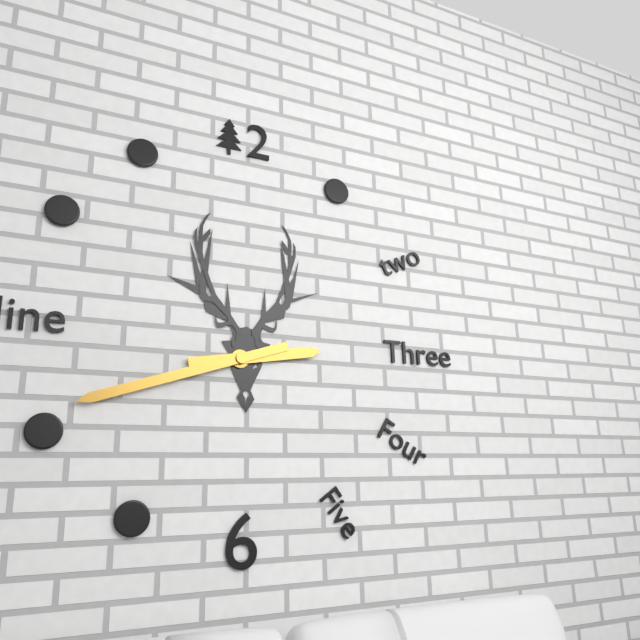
2:42
